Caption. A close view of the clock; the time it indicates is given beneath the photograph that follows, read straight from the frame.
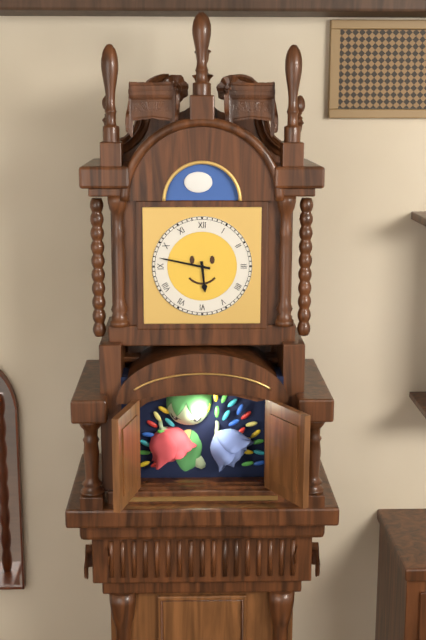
5:47
